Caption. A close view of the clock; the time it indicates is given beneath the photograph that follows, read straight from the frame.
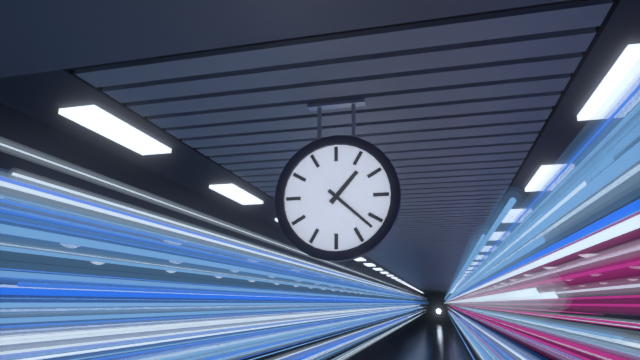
1:22
